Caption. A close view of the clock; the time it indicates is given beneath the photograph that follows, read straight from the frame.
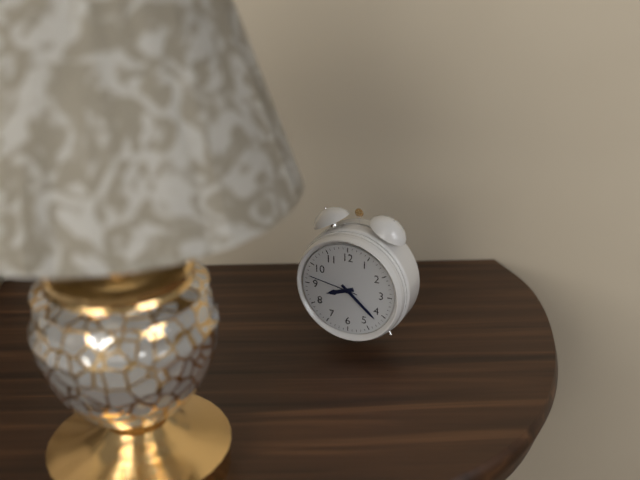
8:22:47
